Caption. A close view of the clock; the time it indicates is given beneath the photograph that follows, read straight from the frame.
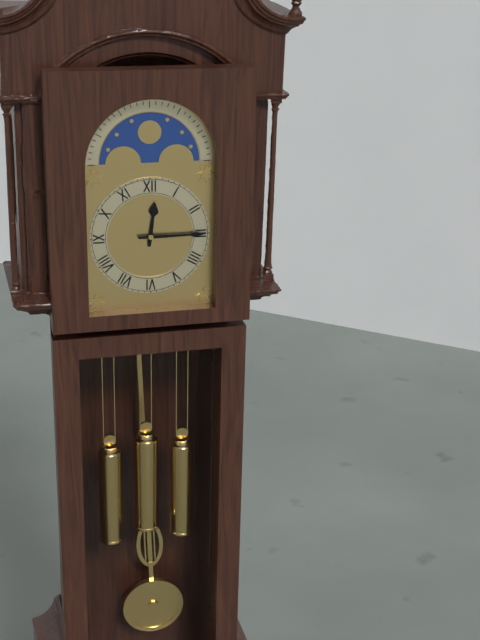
12:15
